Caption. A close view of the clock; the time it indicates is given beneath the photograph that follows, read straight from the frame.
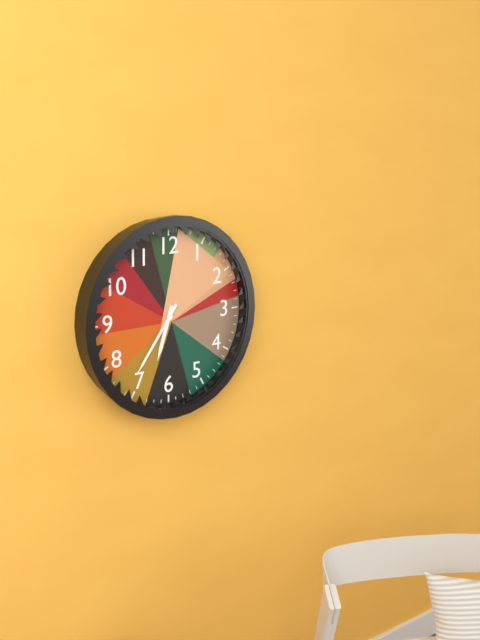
6:36
